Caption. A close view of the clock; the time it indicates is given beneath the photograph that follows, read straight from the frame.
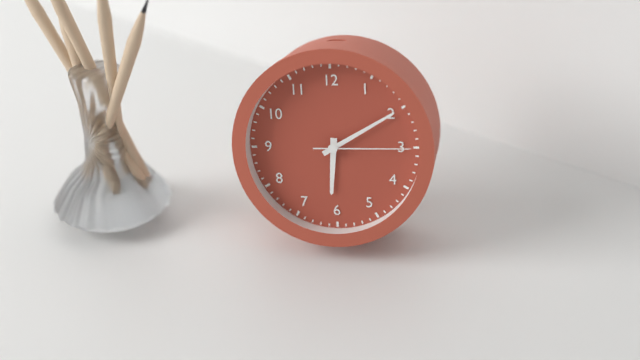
6:10:15
